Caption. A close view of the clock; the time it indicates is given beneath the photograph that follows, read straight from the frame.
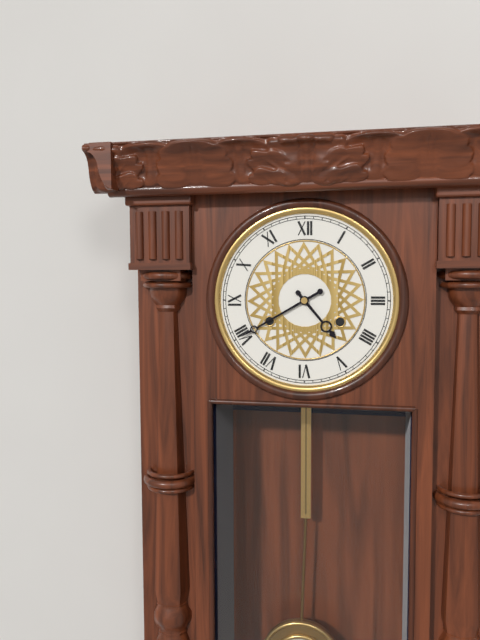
4:40
